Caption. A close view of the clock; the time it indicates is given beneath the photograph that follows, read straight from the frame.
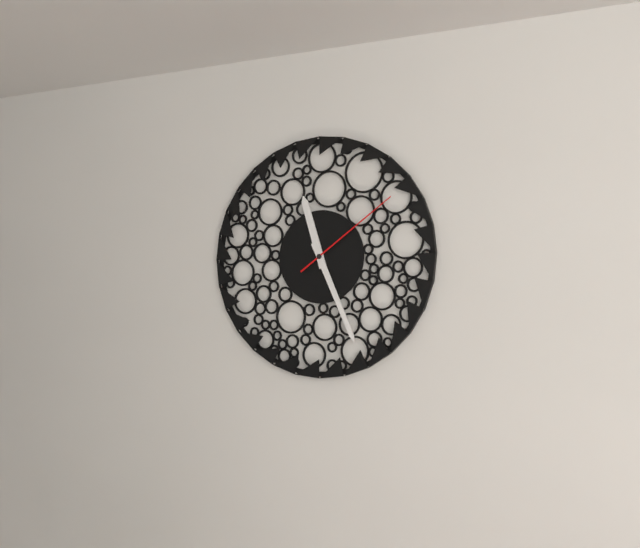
11:26:09
